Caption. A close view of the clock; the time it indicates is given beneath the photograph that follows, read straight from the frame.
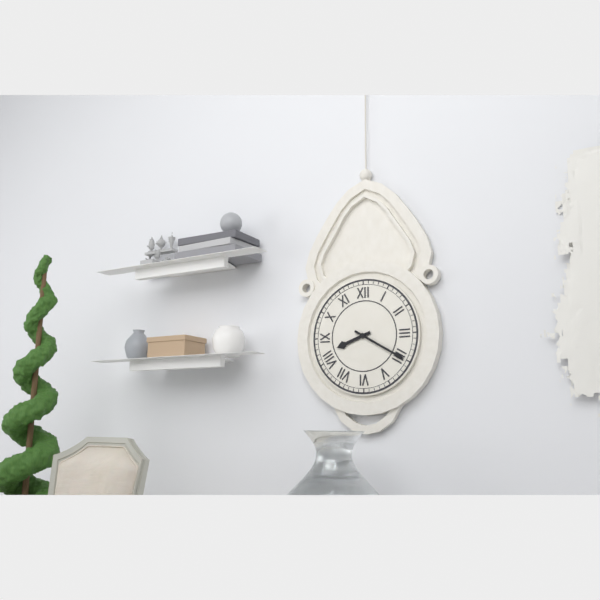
8:20
